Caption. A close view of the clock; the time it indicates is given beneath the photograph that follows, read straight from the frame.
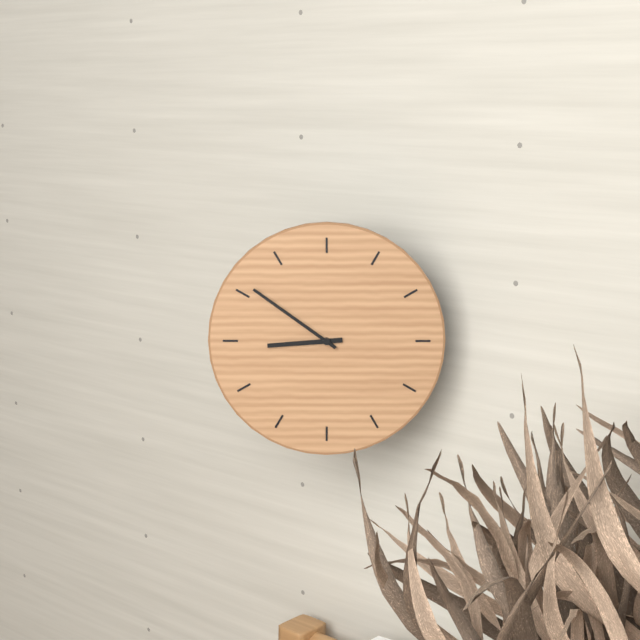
8:51
